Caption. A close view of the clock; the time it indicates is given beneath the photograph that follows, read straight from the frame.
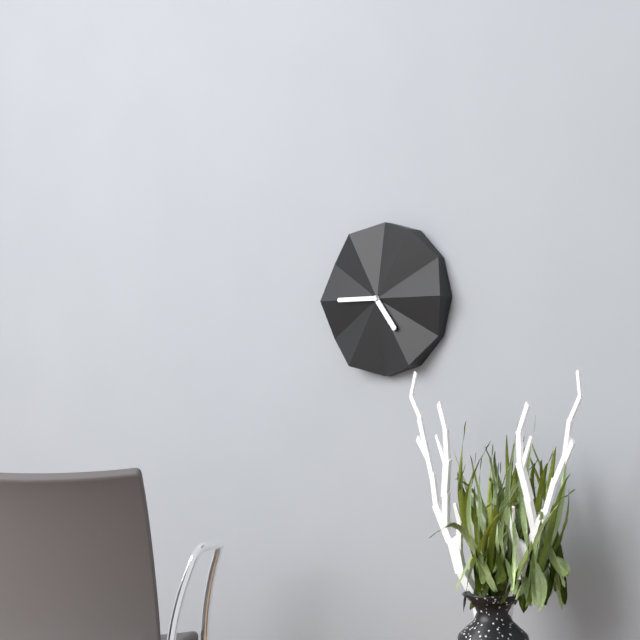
4:45
